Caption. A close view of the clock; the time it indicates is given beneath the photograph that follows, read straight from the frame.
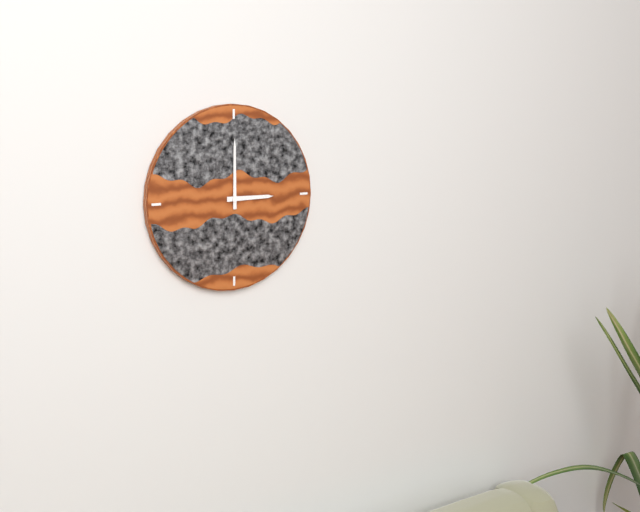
3:00
